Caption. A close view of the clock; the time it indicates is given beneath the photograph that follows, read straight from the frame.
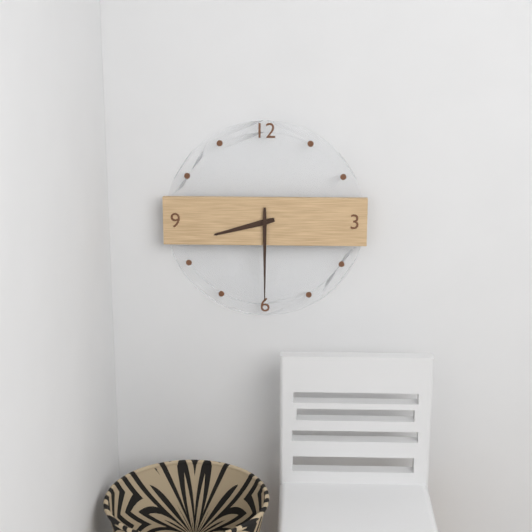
8:30
